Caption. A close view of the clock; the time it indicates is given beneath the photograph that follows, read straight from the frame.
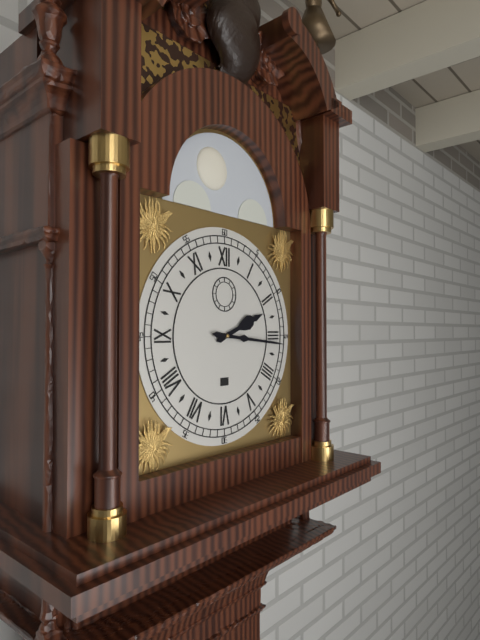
2:16
